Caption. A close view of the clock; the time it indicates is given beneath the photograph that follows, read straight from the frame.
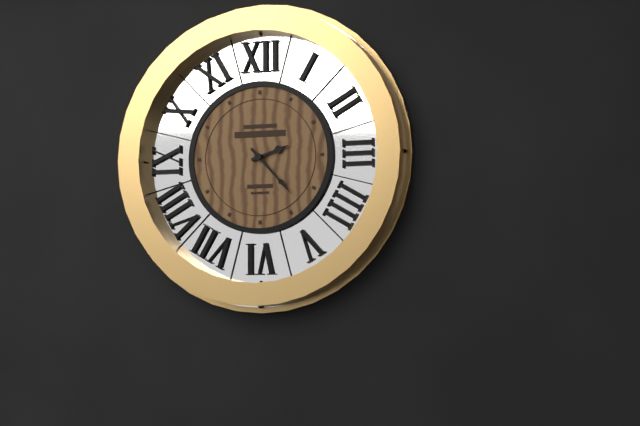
2:23
